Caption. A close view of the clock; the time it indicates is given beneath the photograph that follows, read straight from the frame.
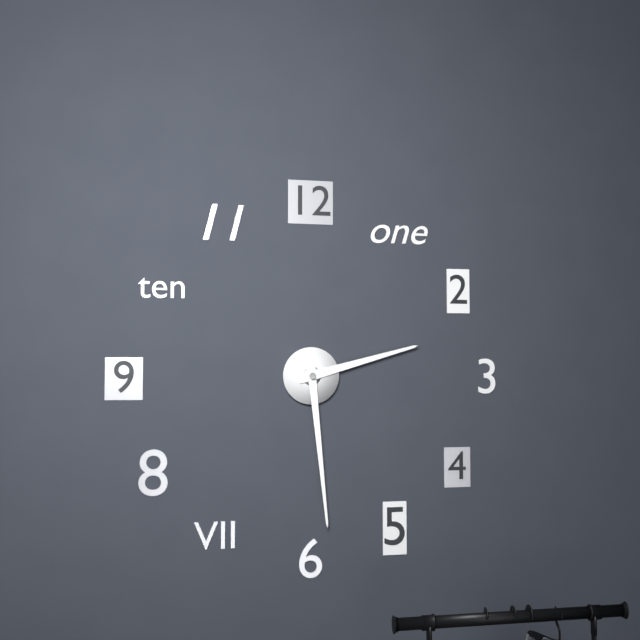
2:29
